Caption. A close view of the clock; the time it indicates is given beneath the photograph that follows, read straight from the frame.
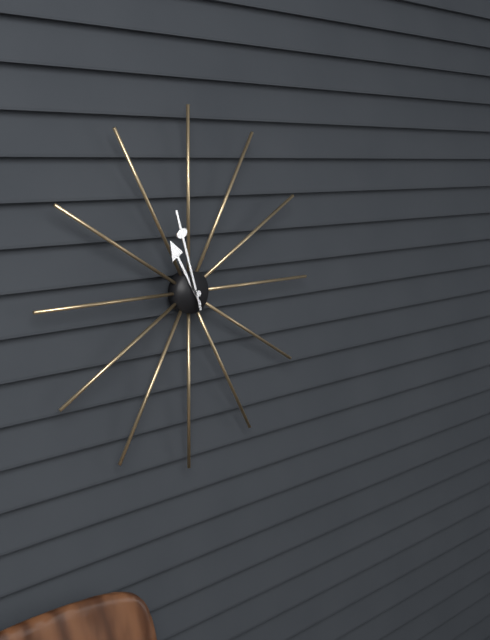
10:57
